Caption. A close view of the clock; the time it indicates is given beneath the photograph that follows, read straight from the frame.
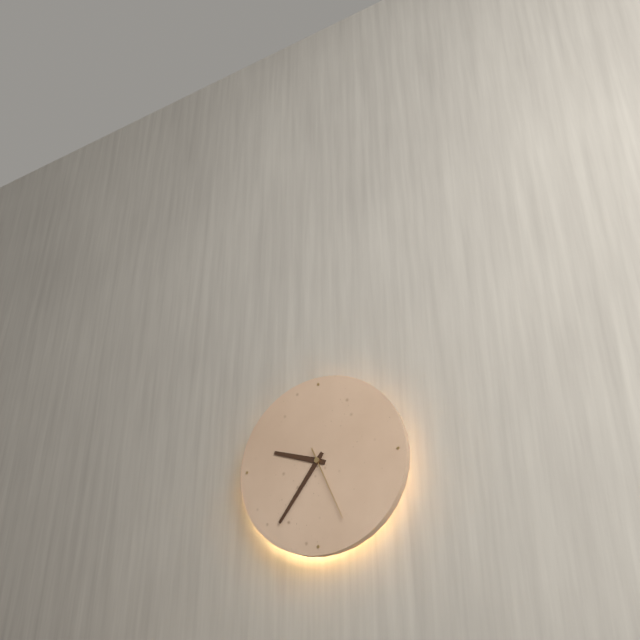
9:36:26
